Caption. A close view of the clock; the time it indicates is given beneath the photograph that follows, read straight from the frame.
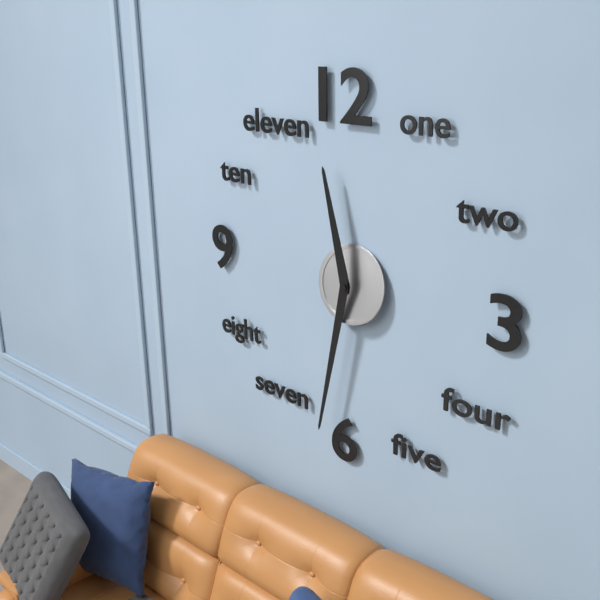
11:32
